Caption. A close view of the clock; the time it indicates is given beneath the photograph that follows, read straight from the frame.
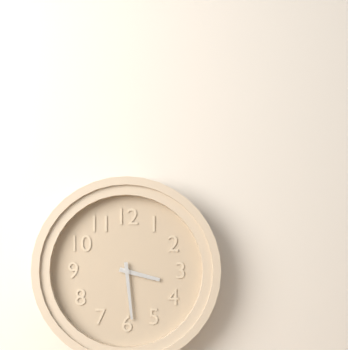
3:29
